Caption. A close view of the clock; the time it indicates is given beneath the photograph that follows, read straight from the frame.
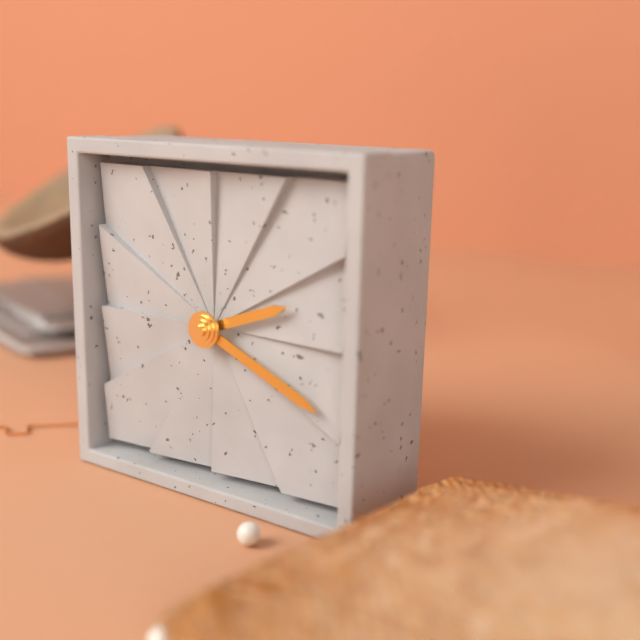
2:19
